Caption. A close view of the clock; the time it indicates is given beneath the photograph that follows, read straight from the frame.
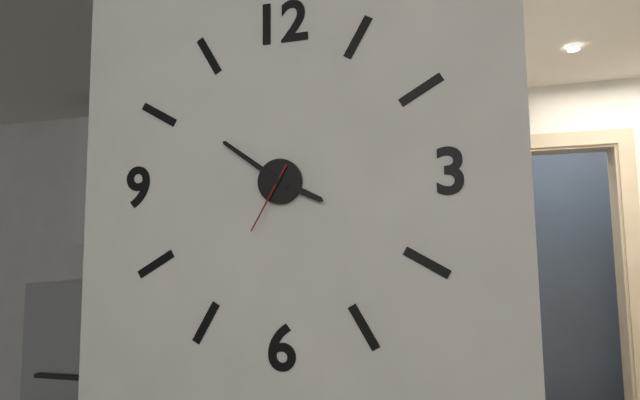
3:51:35
